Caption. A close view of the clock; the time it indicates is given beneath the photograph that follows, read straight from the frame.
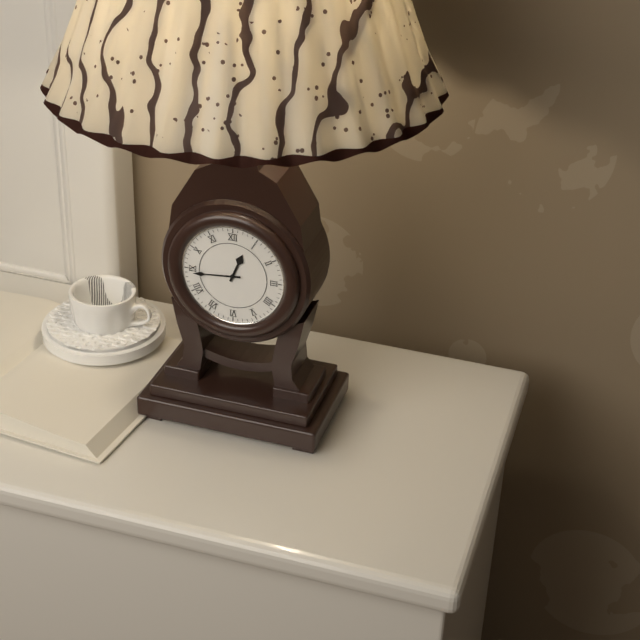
12:44
